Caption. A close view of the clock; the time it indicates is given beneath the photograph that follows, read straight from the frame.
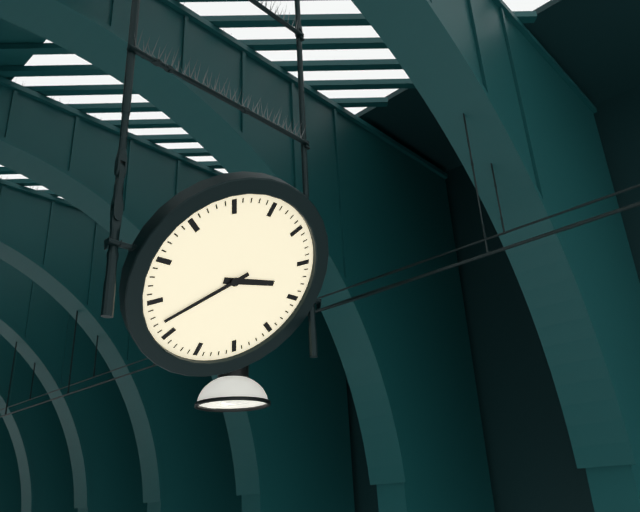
2:37
